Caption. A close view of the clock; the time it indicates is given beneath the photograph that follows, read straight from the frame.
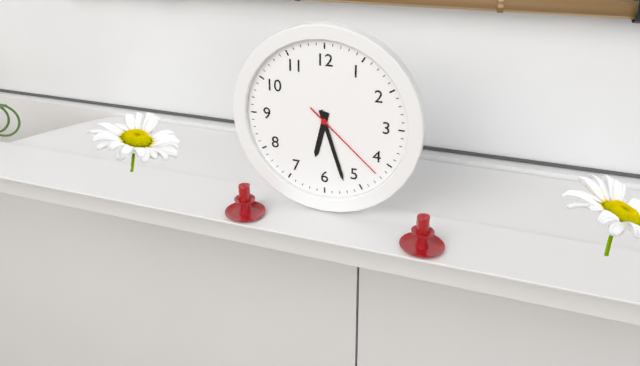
6:27:22
